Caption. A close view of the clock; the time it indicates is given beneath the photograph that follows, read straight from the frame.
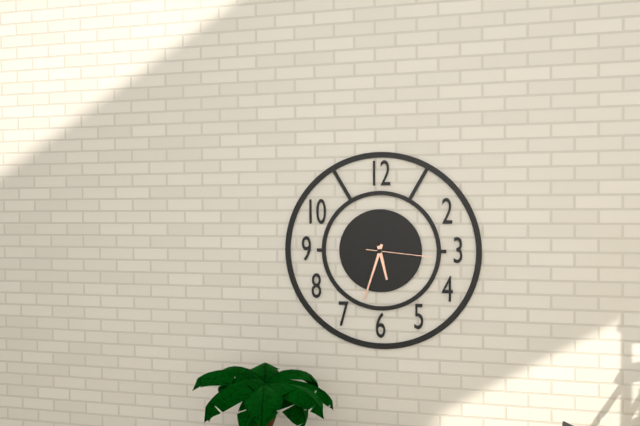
5:33:16
